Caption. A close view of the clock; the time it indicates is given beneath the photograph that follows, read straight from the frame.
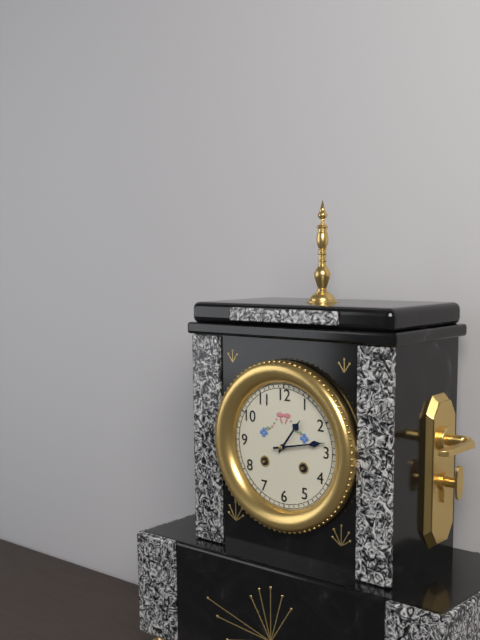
1:13
